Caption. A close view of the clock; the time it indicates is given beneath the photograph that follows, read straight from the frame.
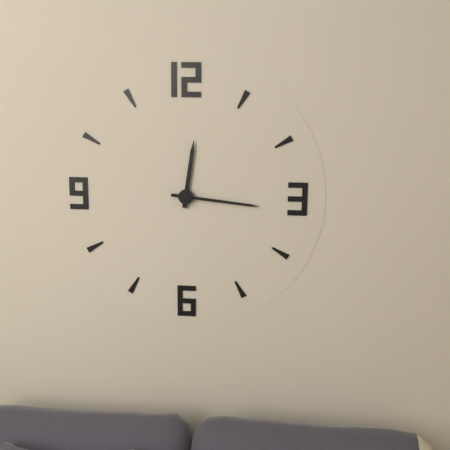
12:16
